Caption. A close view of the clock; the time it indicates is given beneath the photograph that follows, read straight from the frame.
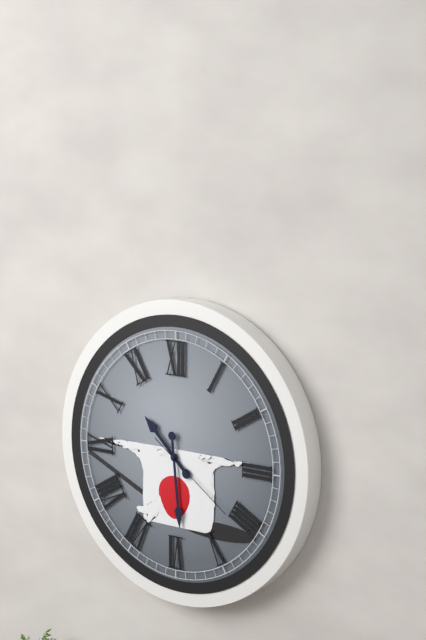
10:29:21
